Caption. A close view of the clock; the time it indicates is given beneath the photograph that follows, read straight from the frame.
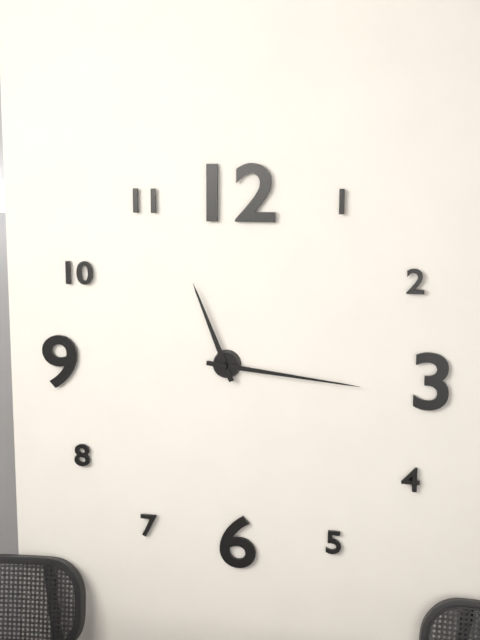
11:16
